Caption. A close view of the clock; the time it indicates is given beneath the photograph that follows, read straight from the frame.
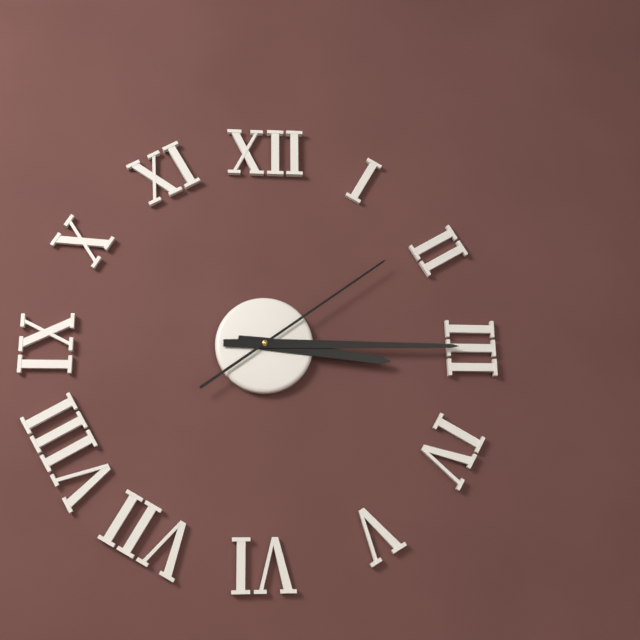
3:15:09
